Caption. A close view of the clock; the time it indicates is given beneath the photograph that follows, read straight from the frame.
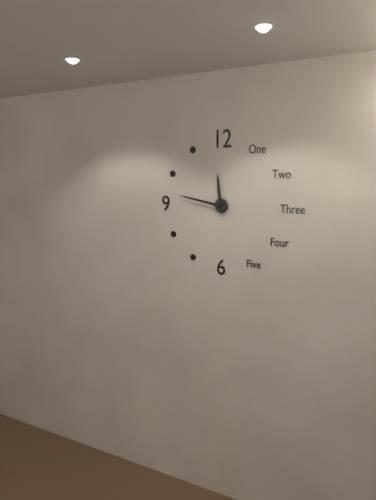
11:47
